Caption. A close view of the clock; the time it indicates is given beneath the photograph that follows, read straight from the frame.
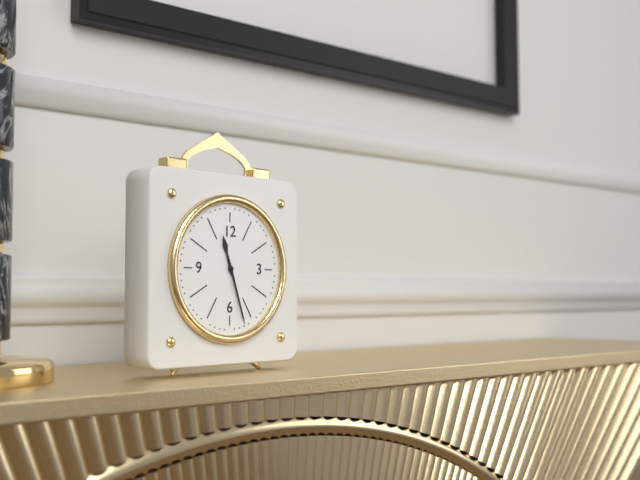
11:27
